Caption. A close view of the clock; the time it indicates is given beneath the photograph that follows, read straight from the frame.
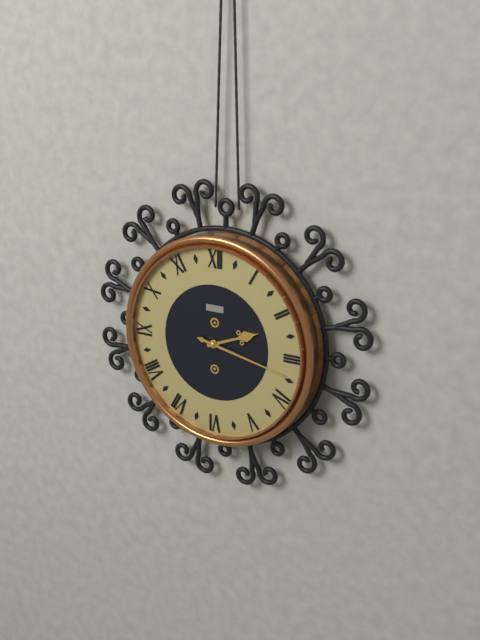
2:17
